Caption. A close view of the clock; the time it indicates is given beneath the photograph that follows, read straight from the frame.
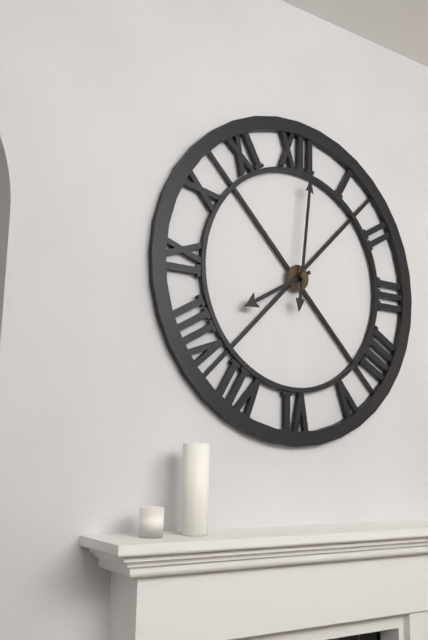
8:01
